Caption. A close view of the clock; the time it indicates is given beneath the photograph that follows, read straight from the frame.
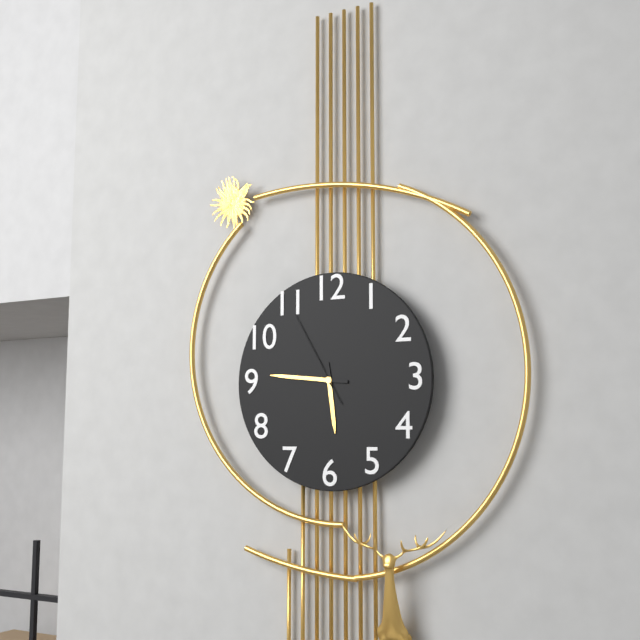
5:46:55
